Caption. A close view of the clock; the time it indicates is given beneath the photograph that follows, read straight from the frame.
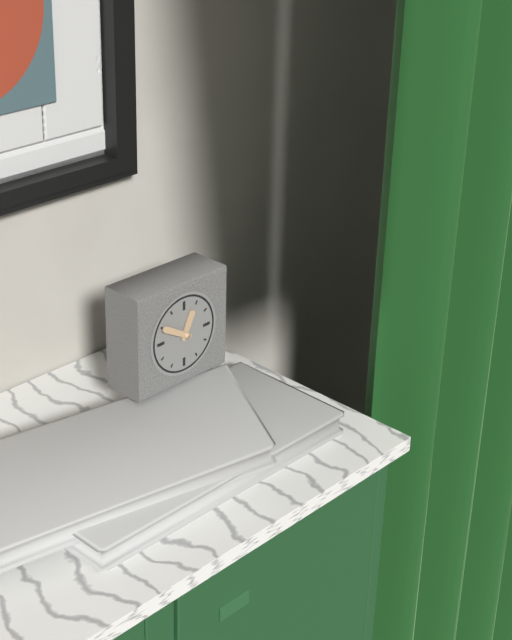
12:50
